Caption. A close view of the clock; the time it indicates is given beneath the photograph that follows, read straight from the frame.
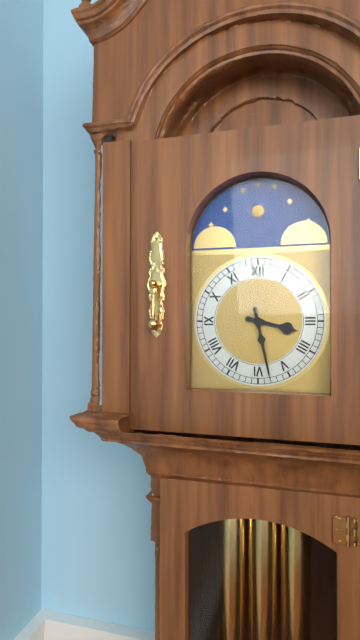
3:28
